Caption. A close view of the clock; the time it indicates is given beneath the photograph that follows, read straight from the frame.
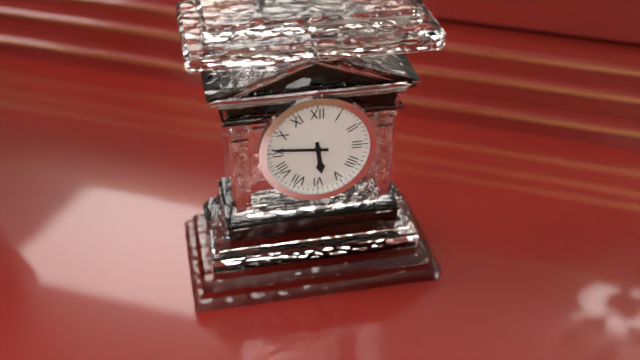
5:46
